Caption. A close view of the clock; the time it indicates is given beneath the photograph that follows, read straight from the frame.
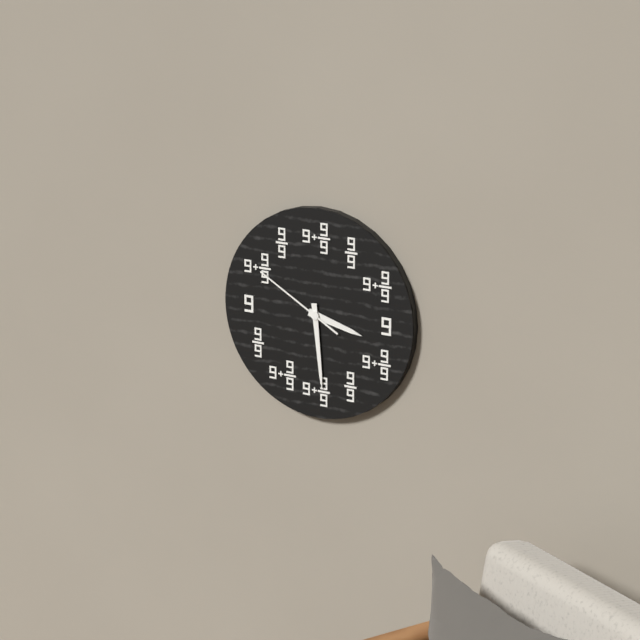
3:29:50
